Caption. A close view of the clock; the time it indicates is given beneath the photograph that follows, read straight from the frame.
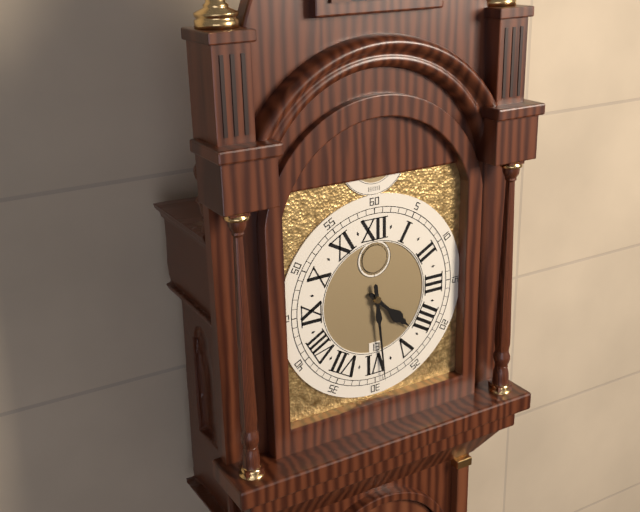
4:29
